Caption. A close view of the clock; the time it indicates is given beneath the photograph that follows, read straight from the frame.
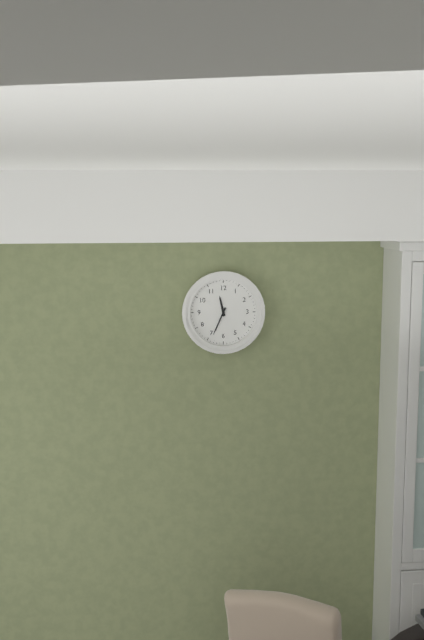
11:34
